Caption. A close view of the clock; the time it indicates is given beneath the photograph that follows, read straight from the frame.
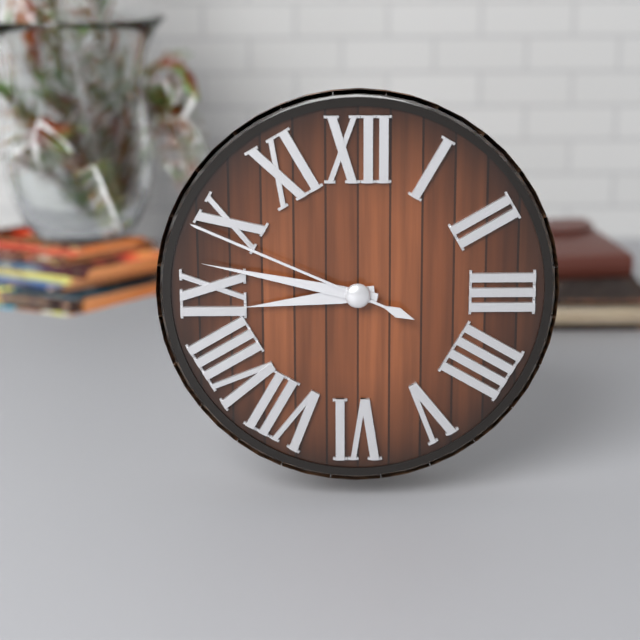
8:47:49
